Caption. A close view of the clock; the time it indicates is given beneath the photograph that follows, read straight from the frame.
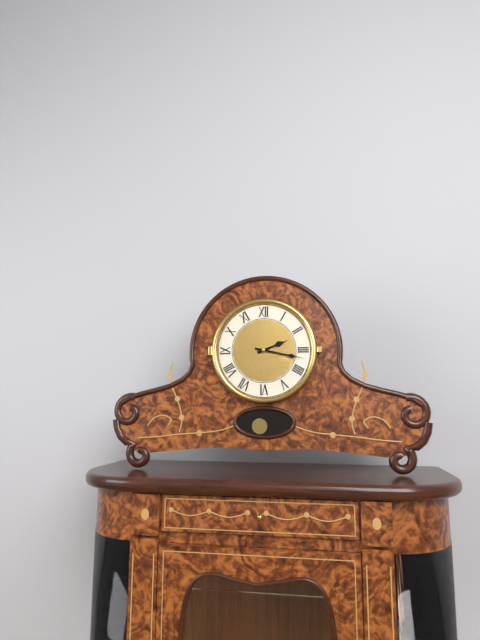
2:17
